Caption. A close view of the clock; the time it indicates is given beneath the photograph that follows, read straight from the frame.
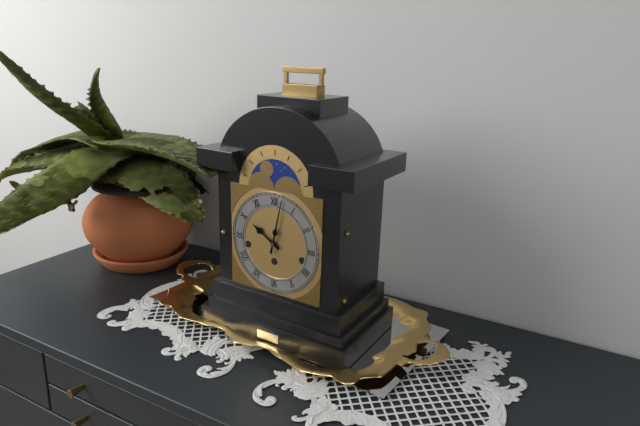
10:02
